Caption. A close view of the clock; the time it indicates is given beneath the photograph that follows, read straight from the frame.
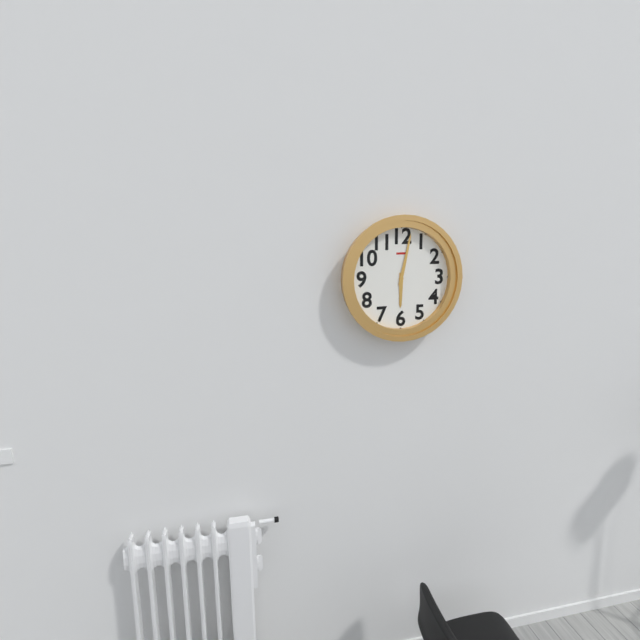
6:02
